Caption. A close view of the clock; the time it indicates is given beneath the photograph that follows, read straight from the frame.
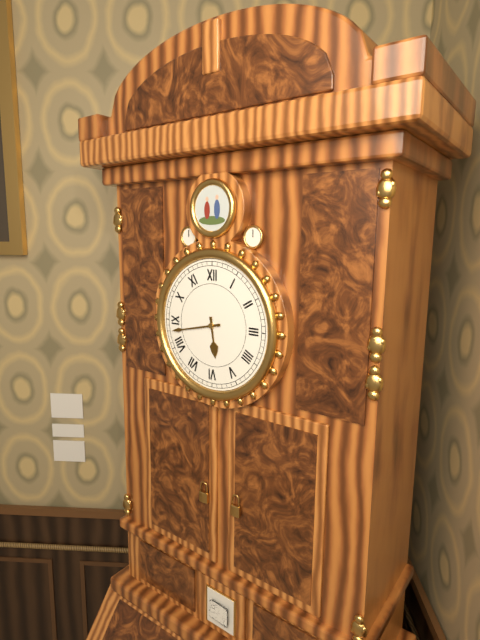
5:43
